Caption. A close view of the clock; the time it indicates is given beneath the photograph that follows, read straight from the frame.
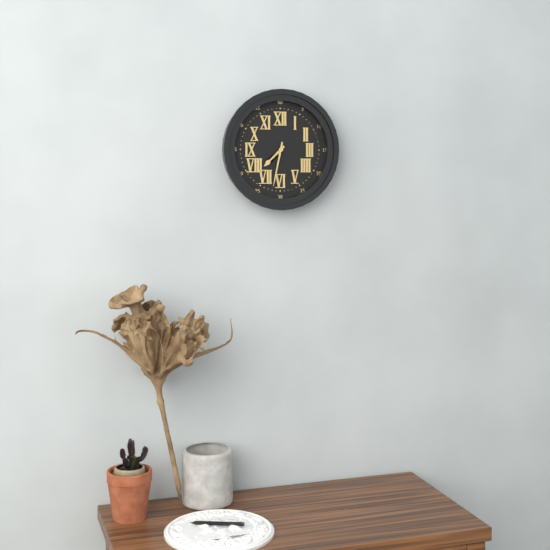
7:32
